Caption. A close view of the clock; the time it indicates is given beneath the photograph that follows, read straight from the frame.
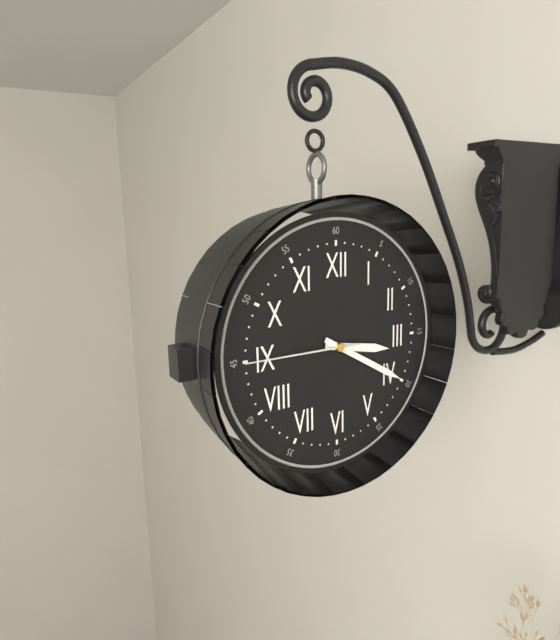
3:20:45
